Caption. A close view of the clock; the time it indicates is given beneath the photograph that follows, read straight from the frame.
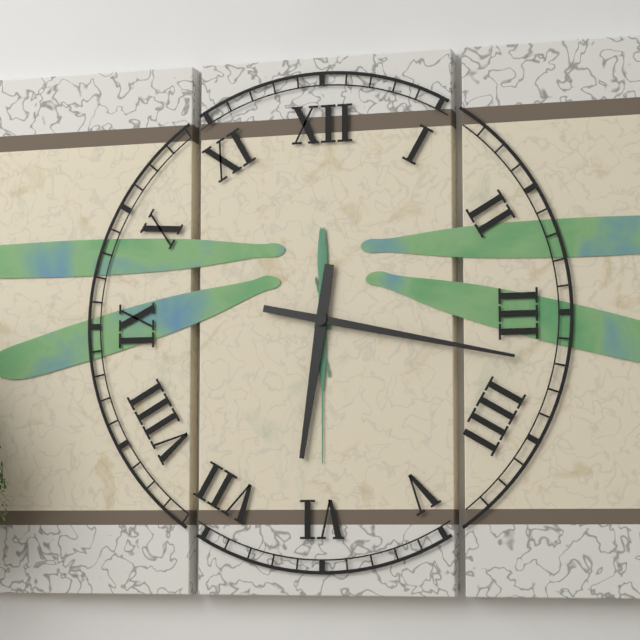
6:17
